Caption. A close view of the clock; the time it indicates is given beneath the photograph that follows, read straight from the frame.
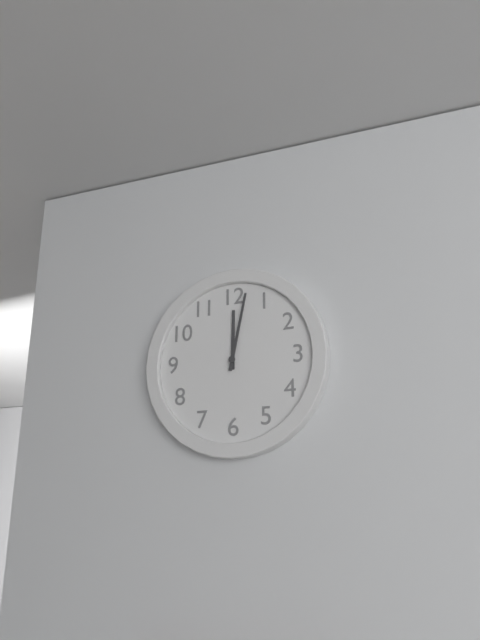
12:02
